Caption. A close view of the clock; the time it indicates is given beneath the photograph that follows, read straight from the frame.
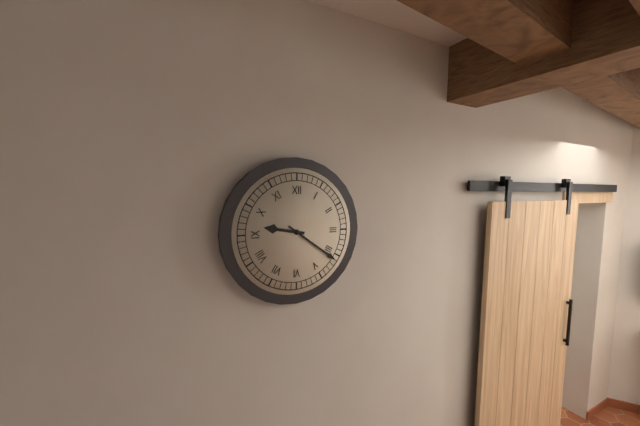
9:21
